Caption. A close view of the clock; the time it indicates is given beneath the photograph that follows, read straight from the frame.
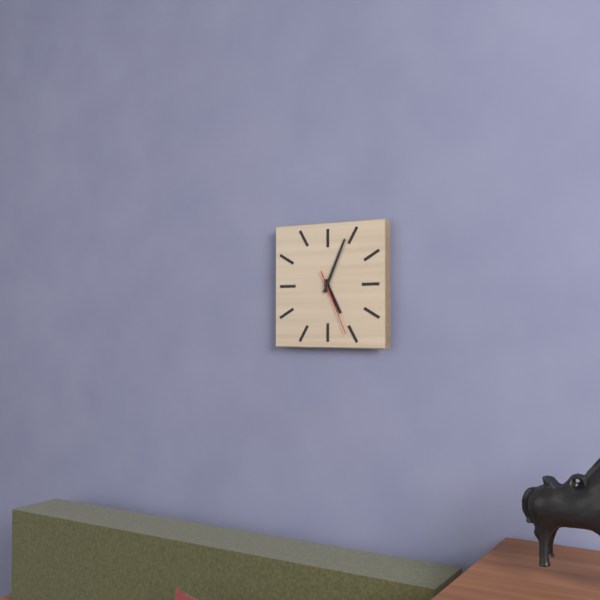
5:04:26
